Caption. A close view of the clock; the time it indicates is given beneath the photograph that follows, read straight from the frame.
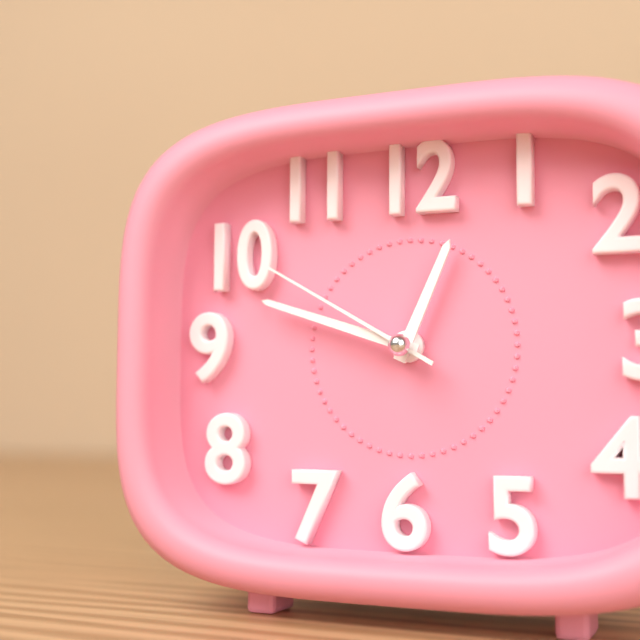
12:48:50
